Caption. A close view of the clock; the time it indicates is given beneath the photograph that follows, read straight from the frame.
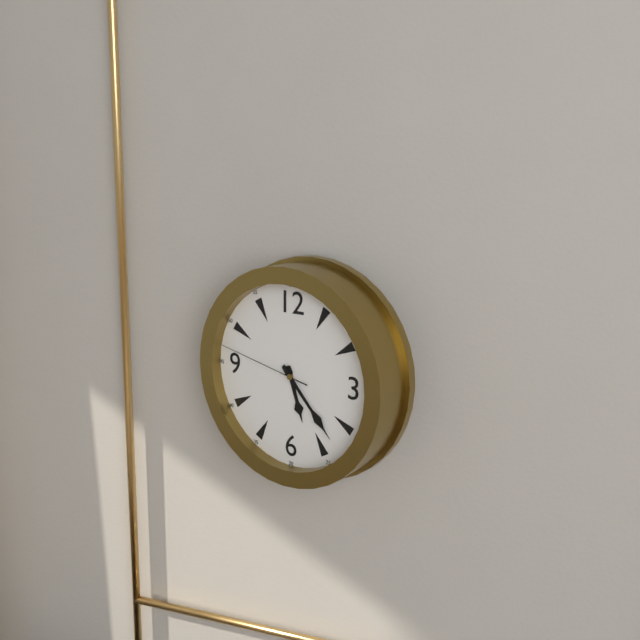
5:23:47
